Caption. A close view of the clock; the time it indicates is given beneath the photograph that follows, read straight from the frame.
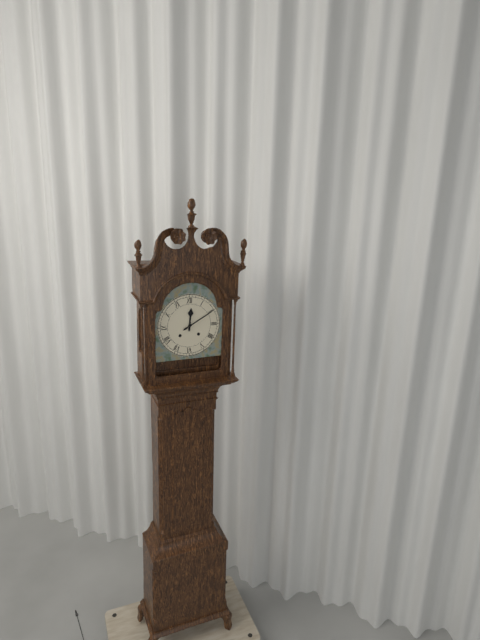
12:10
